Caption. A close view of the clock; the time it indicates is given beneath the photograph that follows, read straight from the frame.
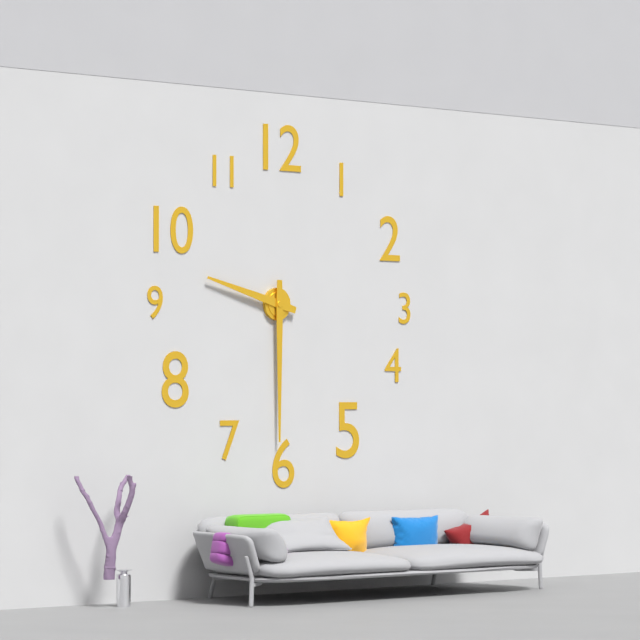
9:30
